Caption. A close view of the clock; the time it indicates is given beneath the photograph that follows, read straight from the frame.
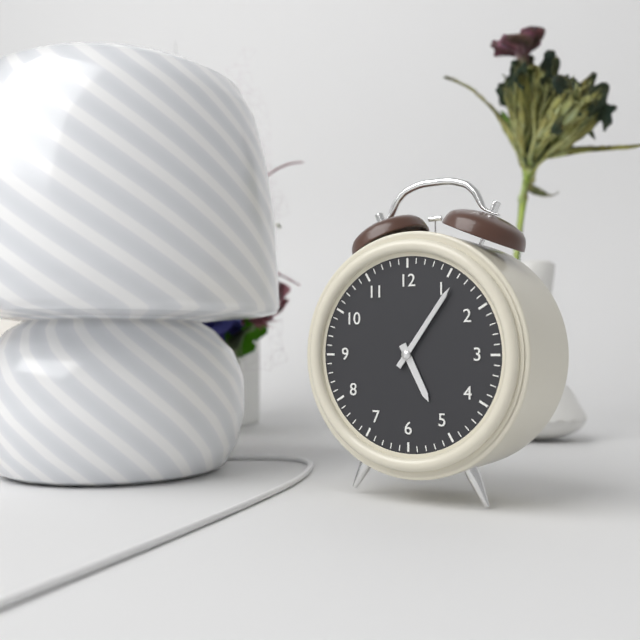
5:06
